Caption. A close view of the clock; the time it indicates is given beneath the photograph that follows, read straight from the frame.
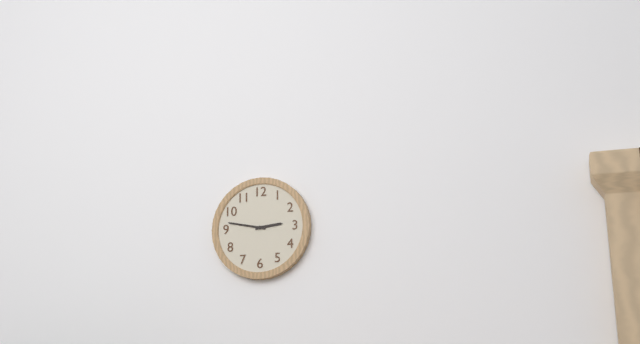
2:47
